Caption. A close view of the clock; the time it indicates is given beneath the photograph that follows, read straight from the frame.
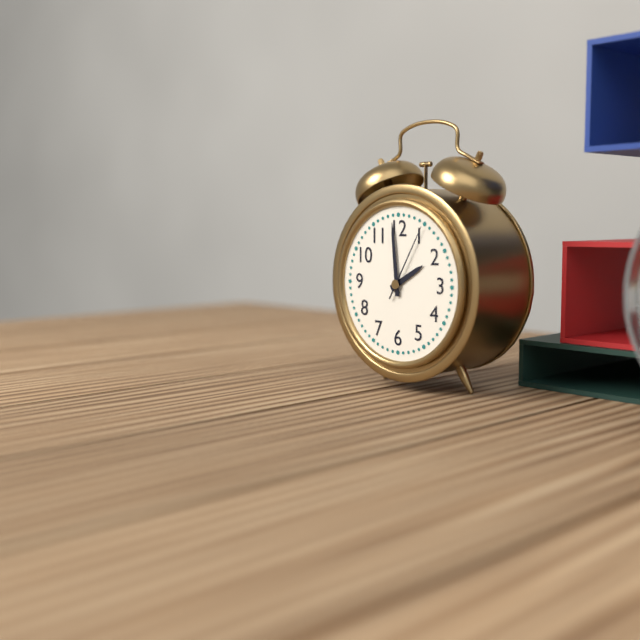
1:59:05
